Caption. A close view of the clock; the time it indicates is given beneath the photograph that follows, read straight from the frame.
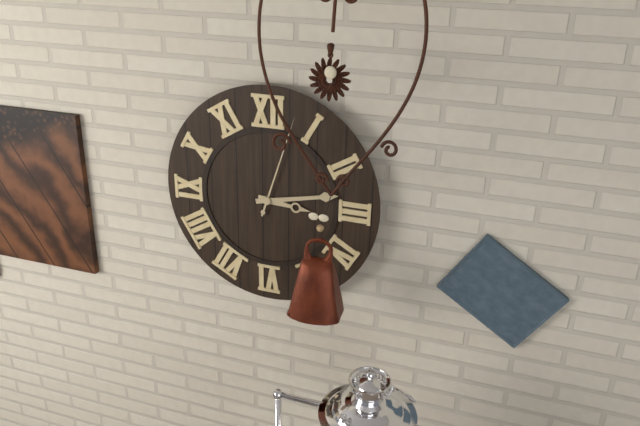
3:13:03
